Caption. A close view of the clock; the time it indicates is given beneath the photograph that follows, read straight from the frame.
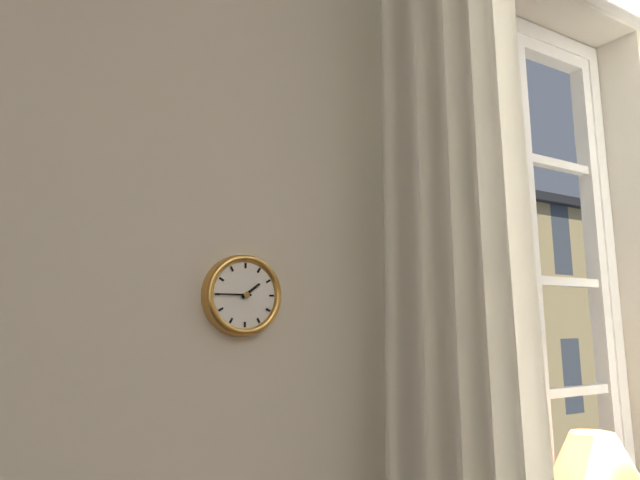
1:45
